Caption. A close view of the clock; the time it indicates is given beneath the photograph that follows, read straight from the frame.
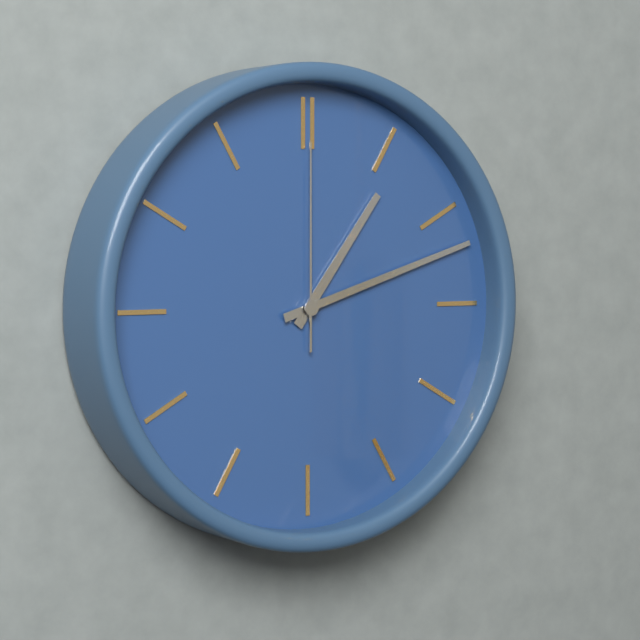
1:12:00
